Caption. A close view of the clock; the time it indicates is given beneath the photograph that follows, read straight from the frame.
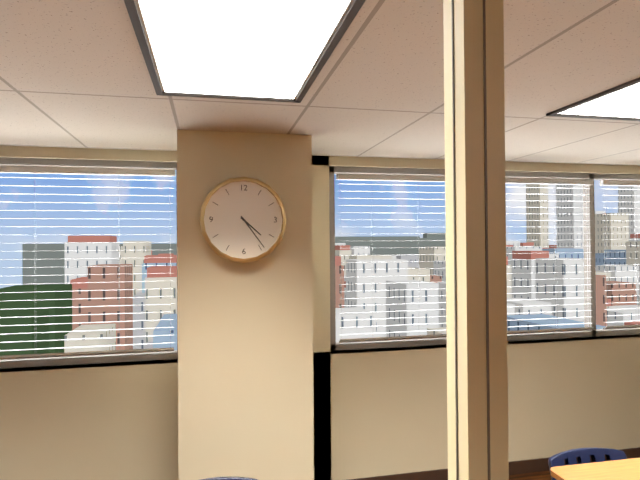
4:24
